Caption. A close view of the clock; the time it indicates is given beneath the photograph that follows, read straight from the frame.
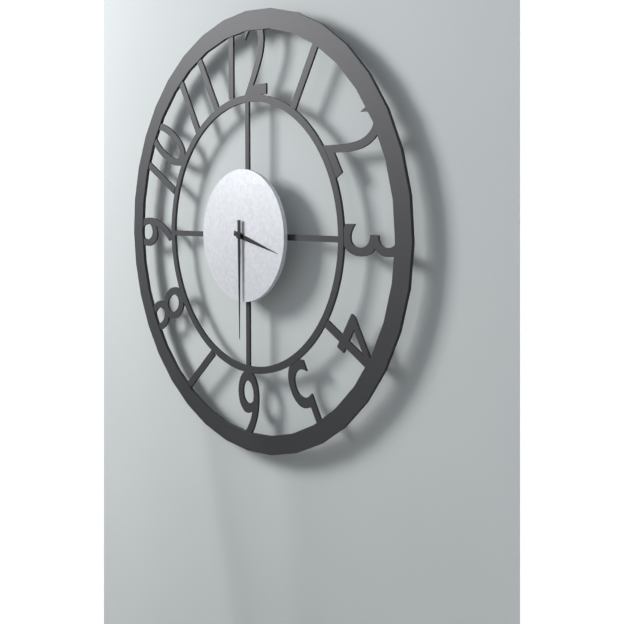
3:30
